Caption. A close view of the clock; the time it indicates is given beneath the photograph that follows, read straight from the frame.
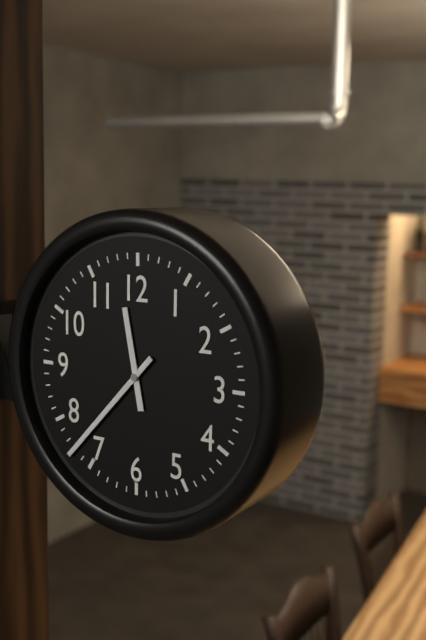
11:37
